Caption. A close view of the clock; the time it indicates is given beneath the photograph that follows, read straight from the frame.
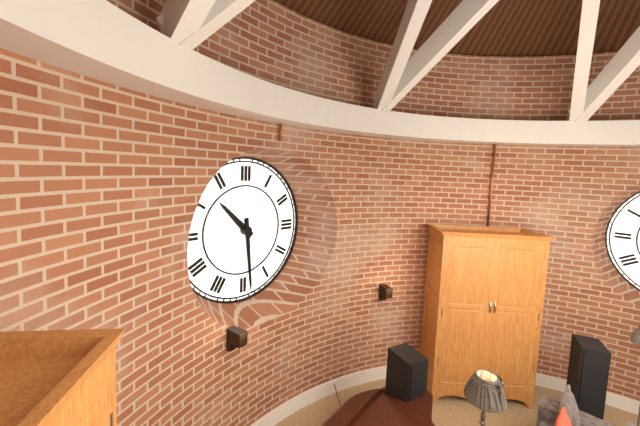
10:29
